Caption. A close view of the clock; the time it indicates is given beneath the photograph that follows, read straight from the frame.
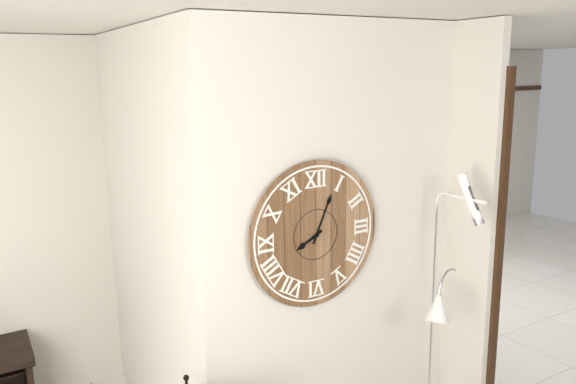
8:04
